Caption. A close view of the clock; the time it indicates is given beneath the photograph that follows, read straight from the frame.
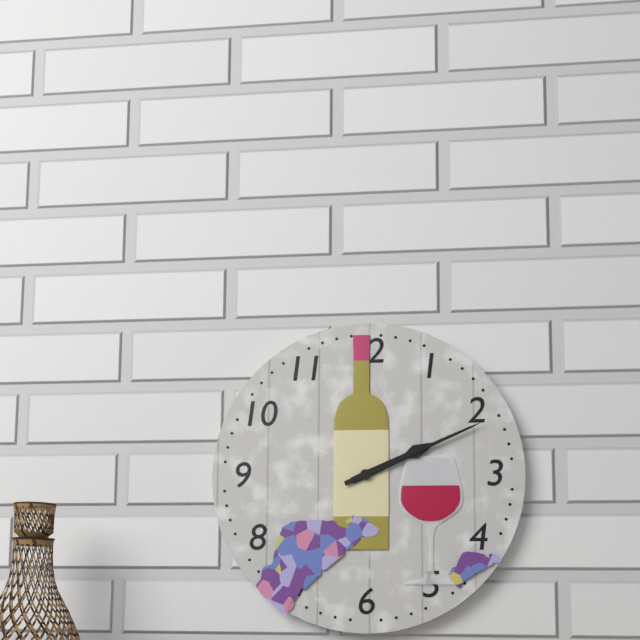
2:11
